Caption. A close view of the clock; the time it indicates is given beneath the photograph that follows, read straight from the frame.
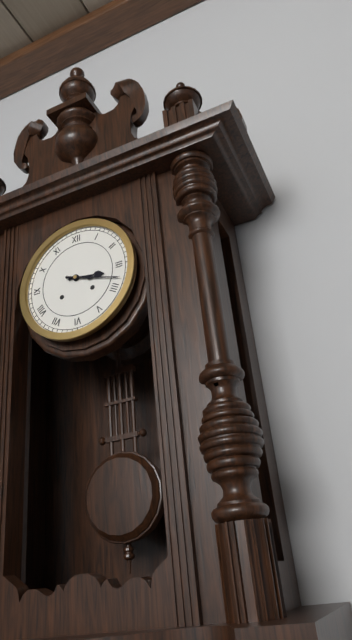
3:18
